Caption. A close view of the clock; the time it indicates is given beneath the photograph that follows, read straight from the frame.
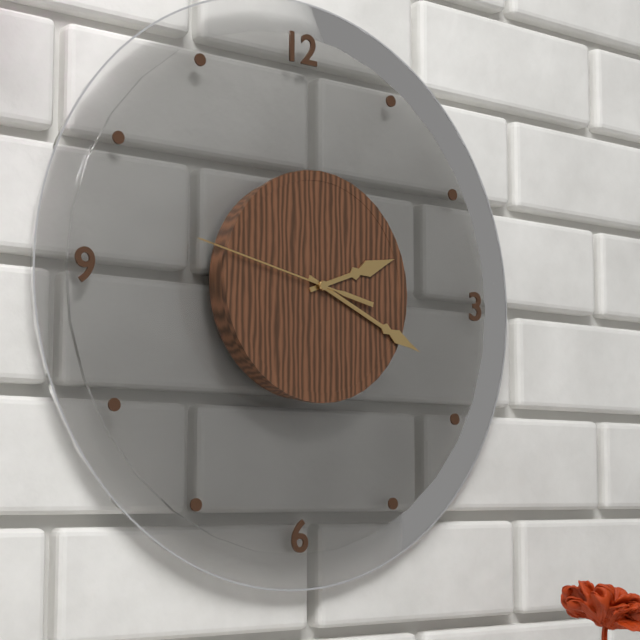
2:19:47
